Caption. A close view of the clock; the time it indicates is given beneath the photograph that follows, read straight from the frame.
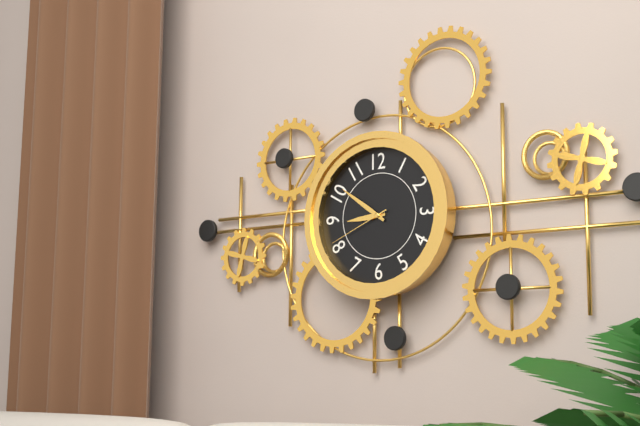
8:51:41
